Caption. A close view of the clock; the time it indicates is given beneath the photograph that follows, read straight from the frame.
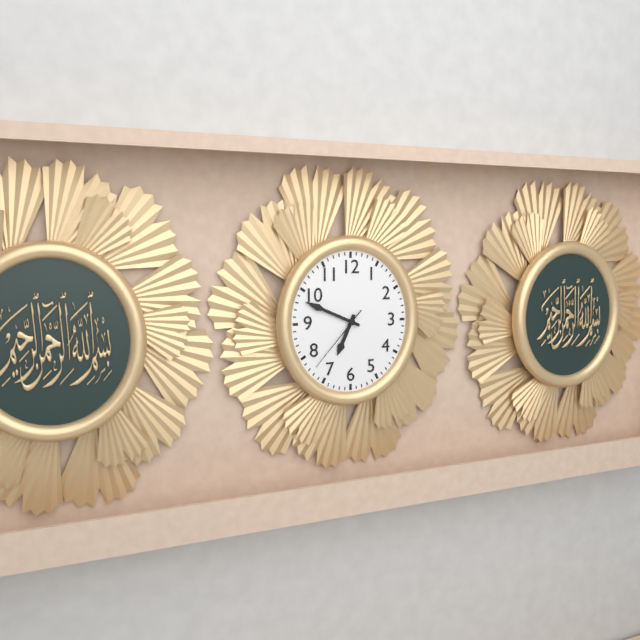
6:49:37
